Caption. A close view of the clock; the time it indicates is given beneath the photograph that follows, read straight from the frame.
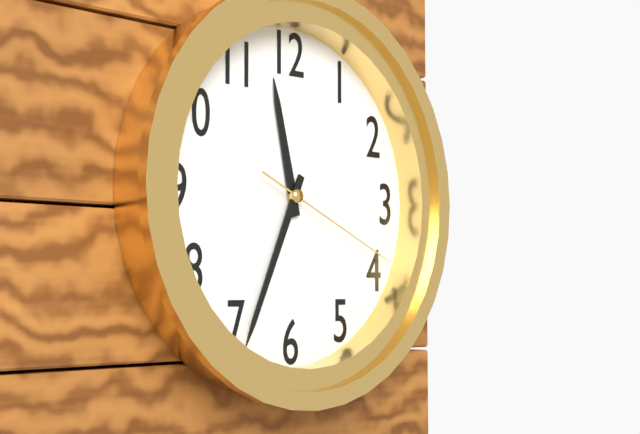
11:34:19
